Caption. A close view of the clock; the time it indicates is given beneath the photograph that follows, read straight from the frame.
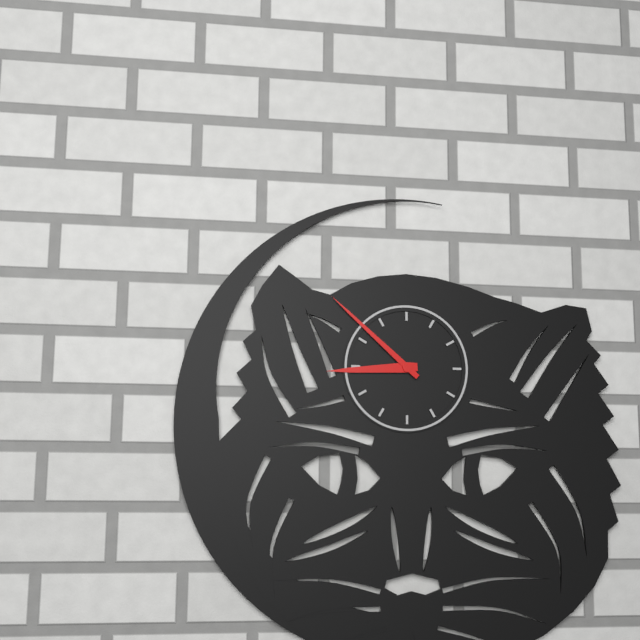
8:52
